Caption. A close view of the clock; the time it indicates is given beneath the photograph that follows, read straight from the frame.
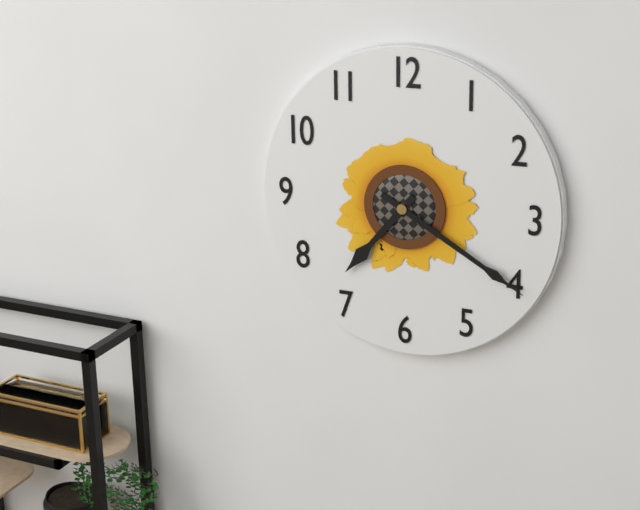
7:20
